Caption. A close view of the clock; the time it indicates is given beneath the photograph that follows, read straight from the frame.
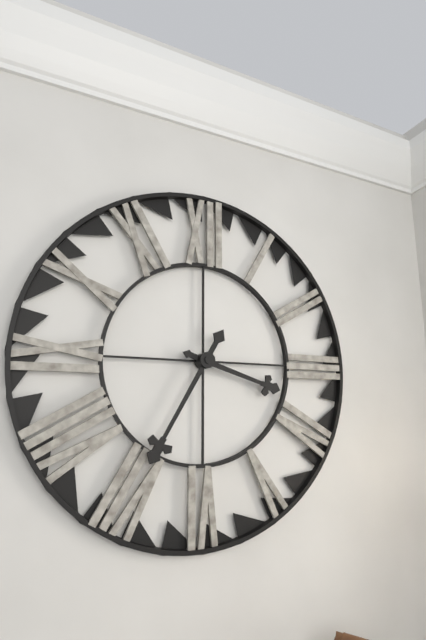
3:35
